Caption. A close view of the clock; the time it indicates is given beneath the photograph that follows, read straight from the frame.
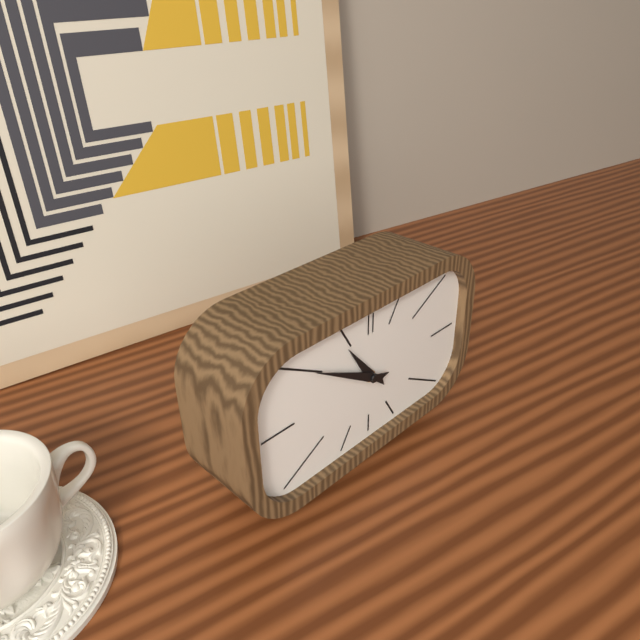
10:50
